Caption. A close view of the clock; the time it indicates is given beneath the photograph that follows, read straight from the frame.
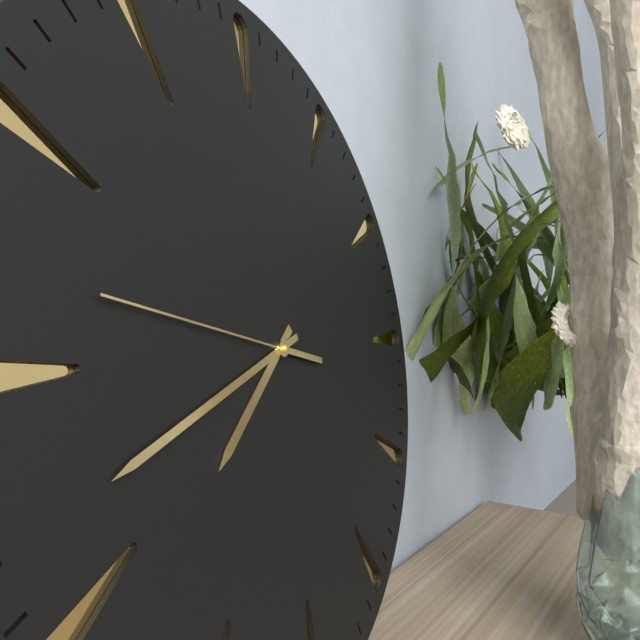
7:42:47
